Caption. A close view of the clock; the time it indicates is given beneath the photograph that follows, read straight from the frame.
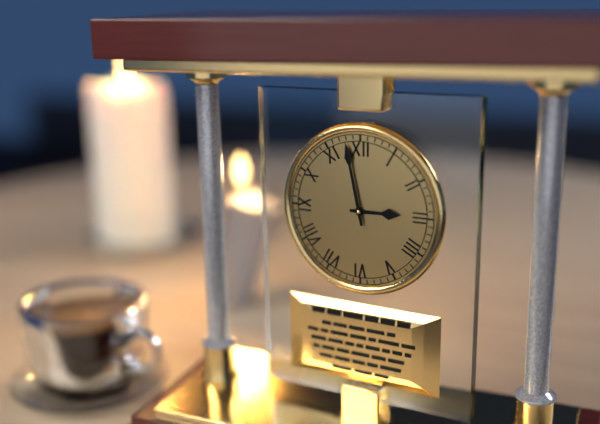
2:58
